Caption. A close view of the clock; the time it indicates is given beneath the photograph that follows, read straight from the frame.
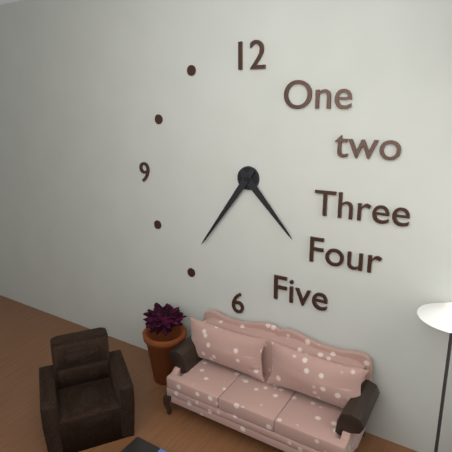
4:36
